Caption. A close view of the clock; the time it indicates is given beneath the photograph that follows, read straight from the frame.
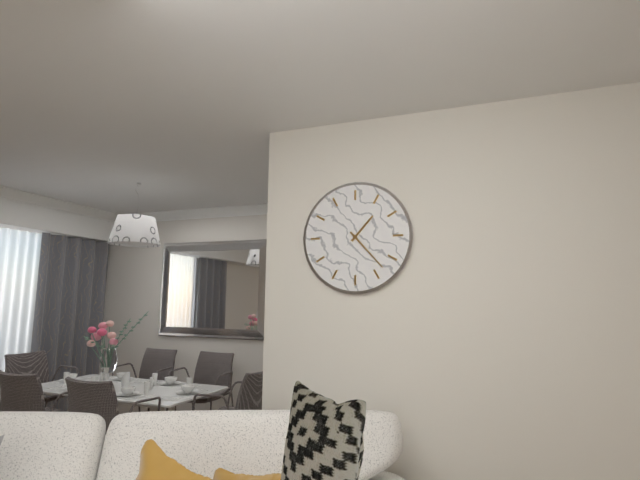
1:23
